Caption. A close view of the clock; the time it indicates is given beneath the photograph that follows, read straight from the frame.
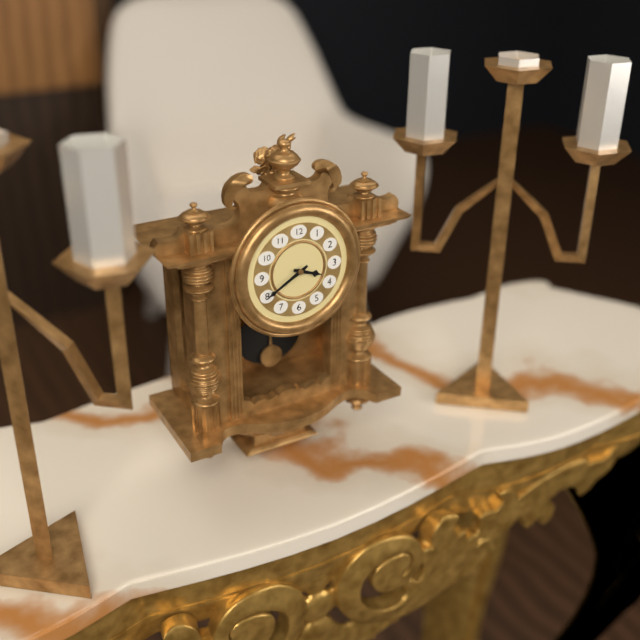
3:40
